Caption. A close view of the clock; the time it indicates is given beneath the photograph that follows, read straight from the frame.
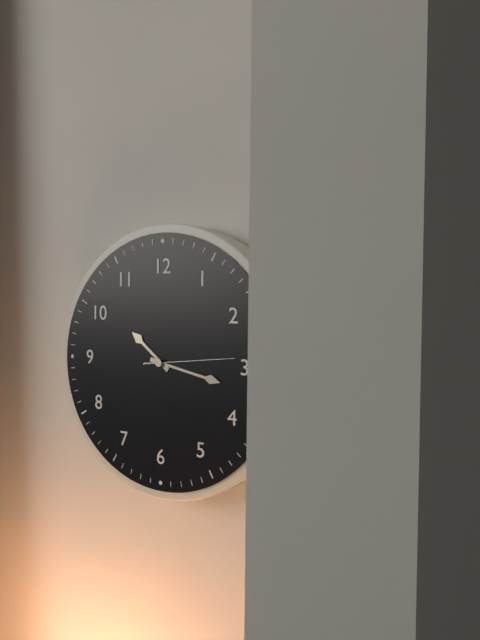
10:17:14
